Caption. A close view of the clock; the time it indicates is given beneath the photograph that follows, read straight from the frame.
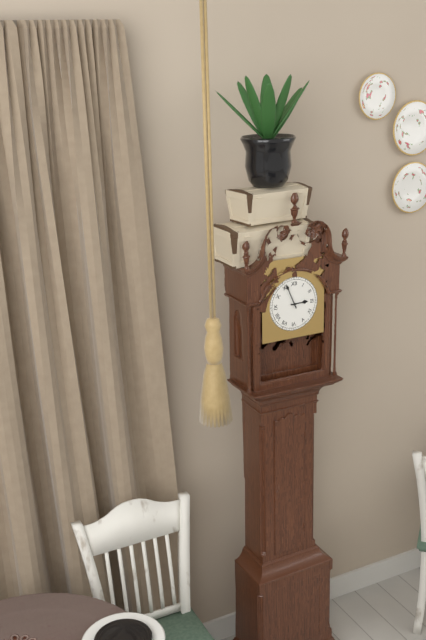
2:56
